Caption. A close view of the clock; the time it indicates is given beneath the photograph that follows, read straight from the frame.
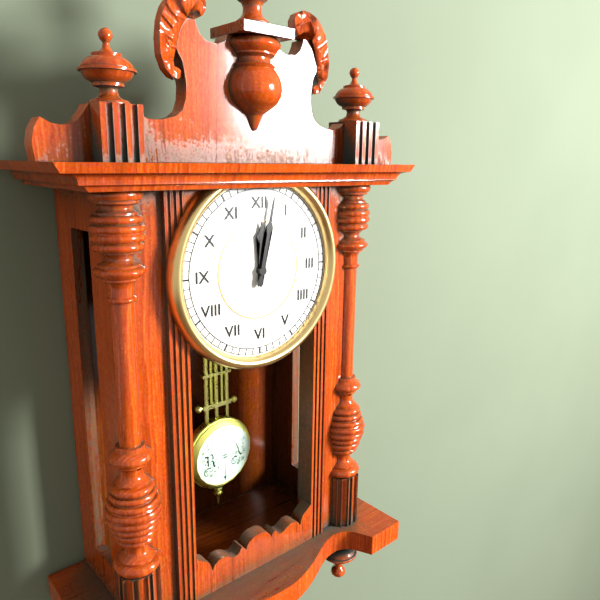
12:02
